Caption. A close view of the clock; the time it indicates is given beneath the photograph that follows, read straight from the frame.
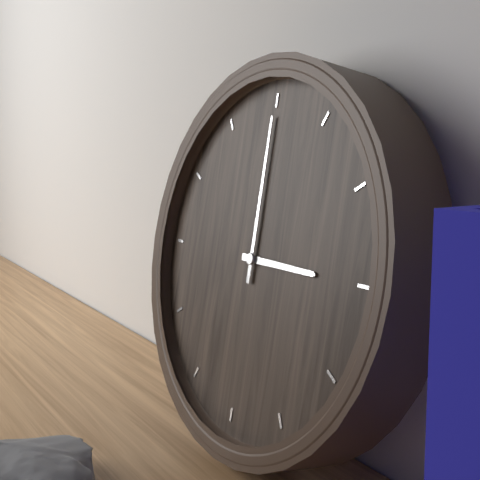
3:00
